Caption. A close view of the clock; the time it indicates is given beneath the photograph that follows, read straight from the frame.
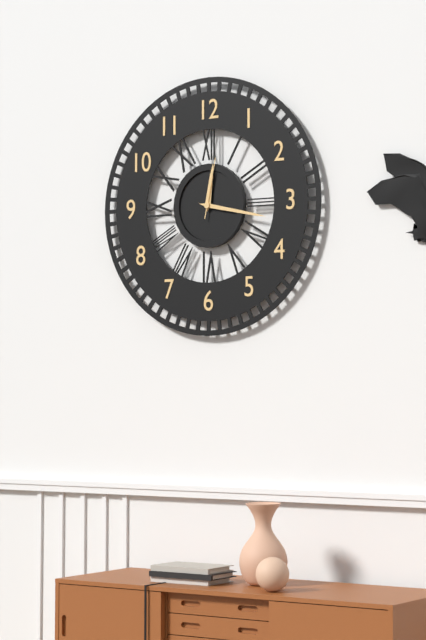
12:17:02
